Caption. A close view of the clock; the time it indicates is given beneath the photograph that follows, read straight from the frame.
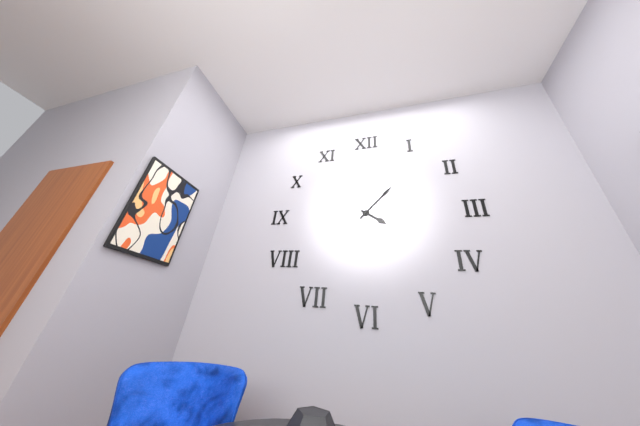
4:07
